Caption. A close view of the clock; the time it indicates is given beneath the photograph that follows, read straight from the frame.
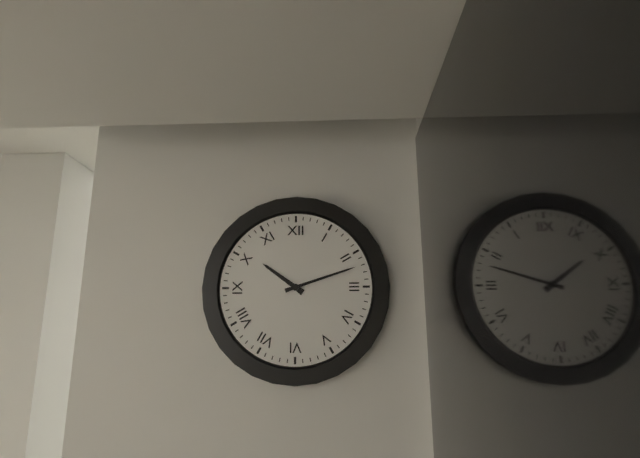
10:12
